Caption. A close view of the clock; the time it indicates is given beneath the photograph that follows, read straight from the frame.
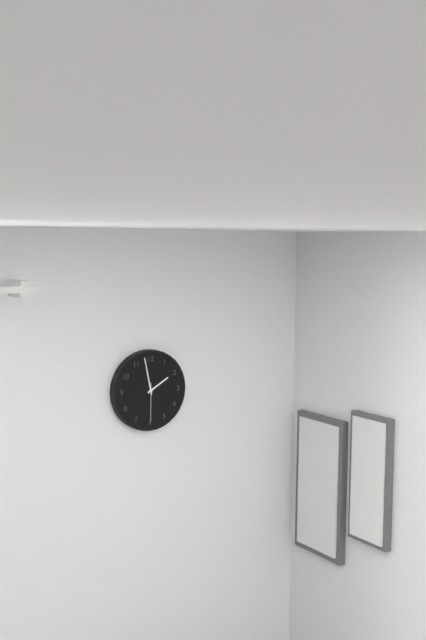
1:58
